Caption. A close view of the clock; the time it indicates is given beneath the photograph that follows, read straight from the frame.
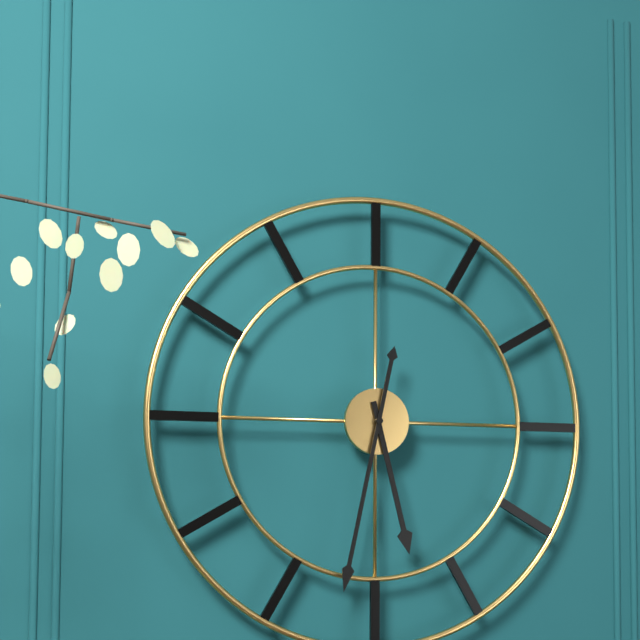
5:32
